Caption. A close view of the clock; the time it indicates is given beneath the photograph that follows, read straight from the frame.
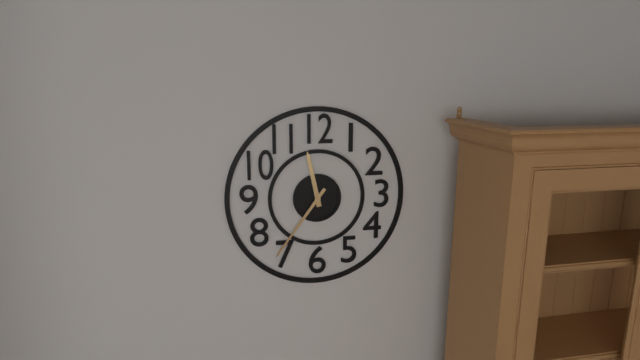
11:36
